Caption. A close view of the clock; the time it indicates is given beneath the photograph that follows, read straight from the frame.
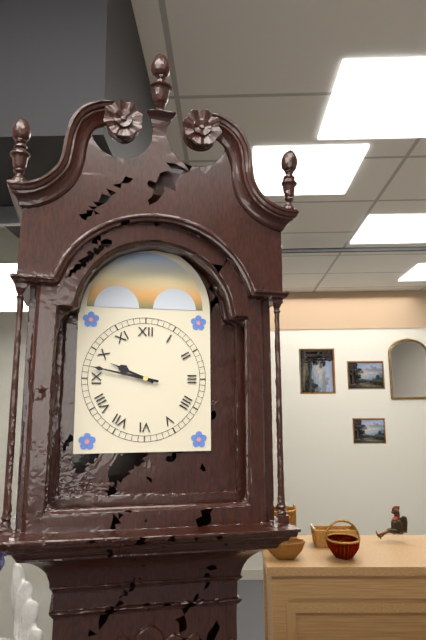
9:47
